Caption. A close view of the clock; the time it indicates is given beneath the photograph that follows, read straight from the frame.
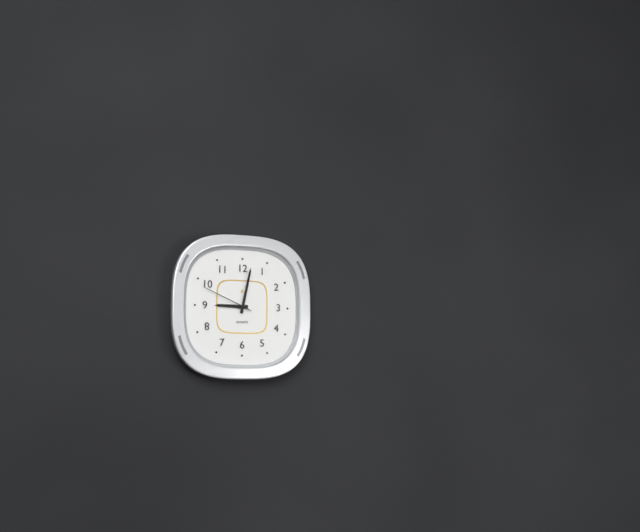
9:02:49
